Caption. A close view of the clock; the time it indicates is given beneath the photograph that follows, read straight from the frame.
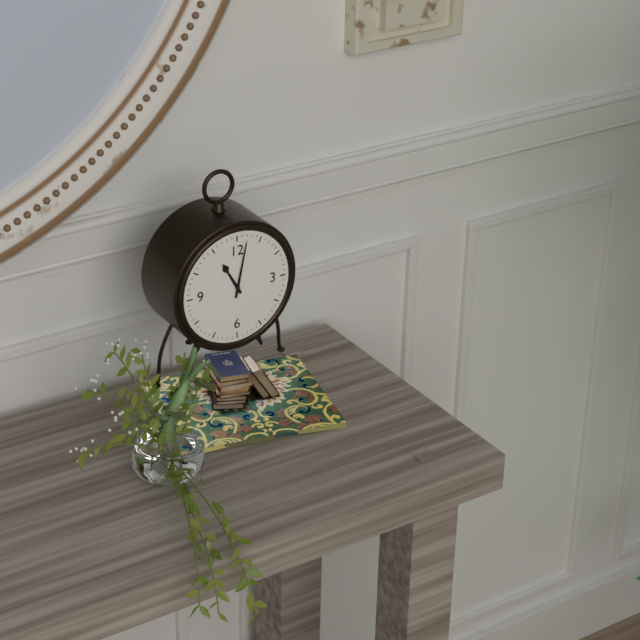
11:02
